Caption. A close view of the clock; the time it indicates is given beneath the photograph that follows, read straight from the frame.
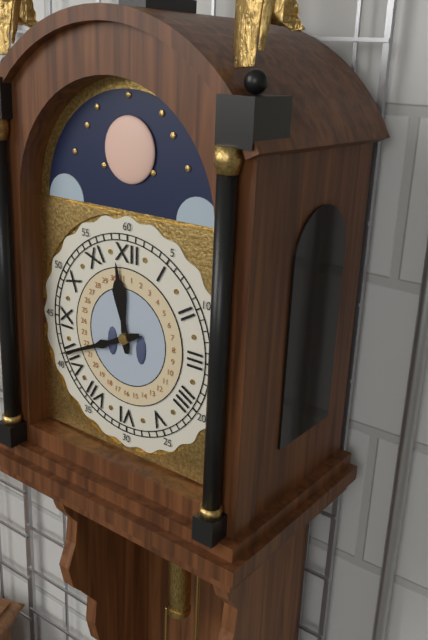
11:41
